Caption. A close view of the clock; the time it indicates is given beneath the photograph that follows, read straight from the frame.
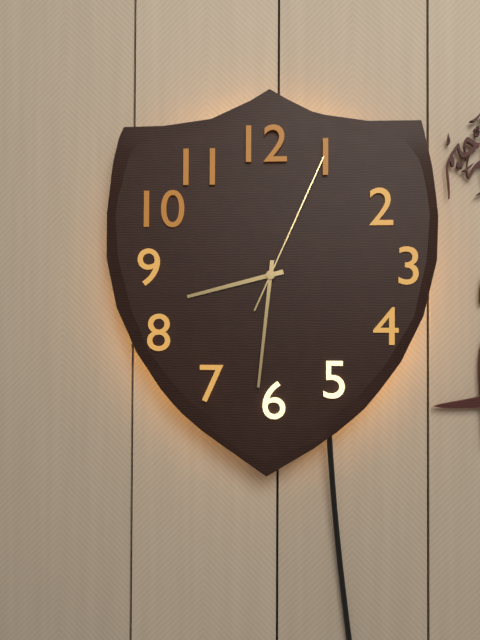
8:31:04
